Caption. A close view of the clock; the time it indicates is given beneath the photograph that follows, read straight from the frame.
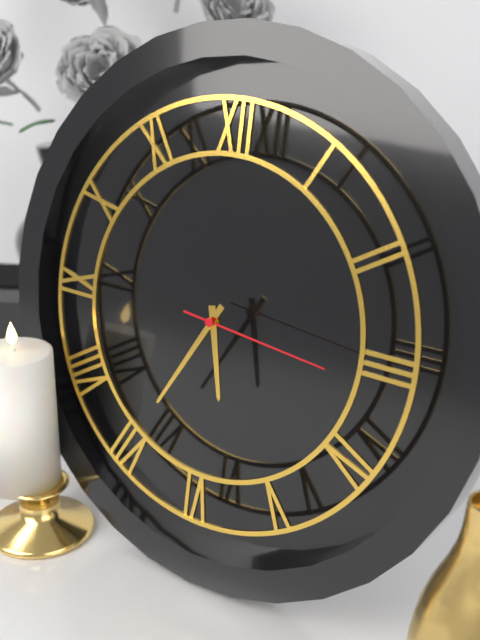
5:35:16
